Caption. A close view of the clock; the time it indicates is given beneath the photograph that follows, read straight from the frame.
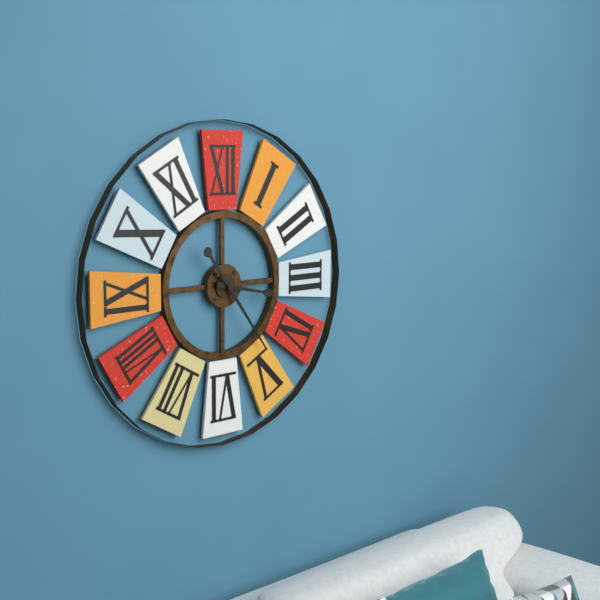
3:24
